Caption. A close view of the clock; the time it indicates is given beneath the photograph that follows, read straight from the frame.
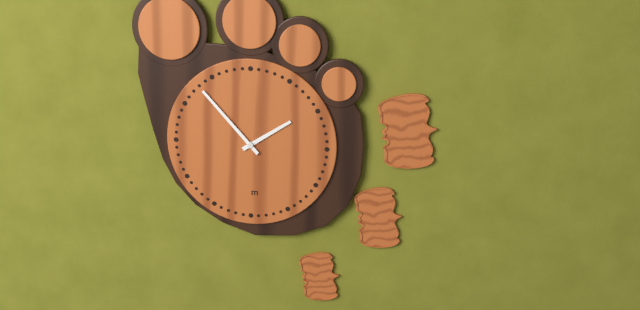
1:53
